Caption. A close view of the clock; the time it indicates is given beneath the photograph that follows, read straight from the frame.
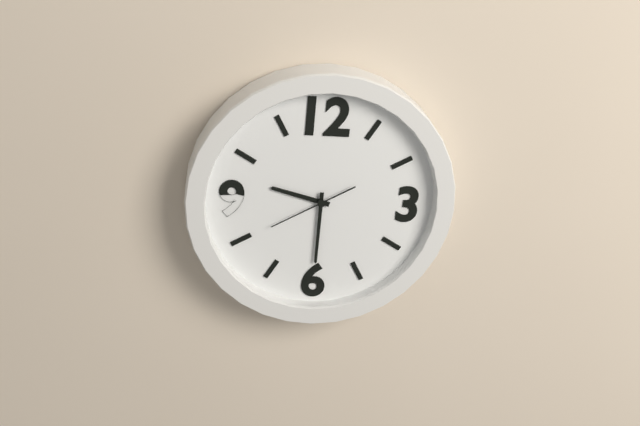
9:30:40
